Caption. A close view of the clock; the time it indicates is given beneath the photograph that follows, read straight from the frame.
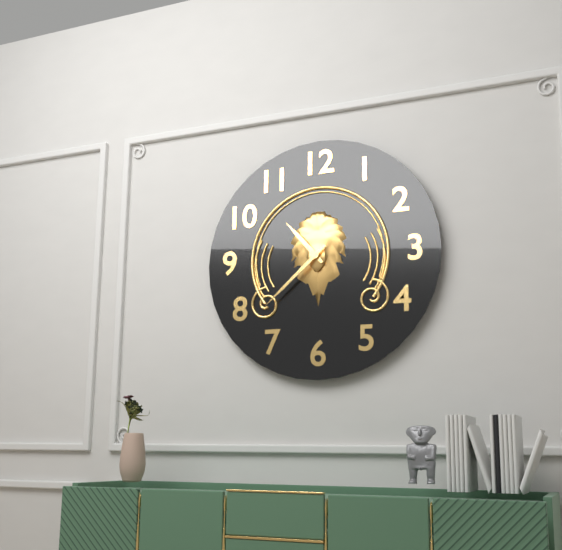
10:38
